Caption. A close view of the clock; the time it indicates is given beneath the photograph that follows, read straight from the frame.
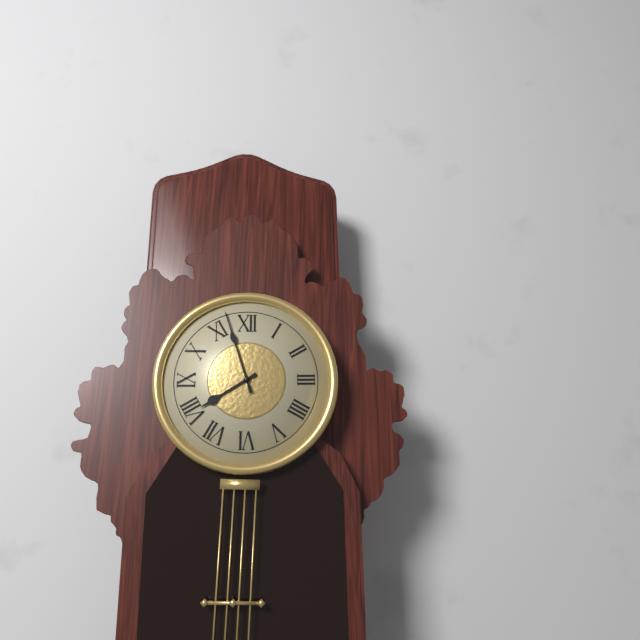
7:57
